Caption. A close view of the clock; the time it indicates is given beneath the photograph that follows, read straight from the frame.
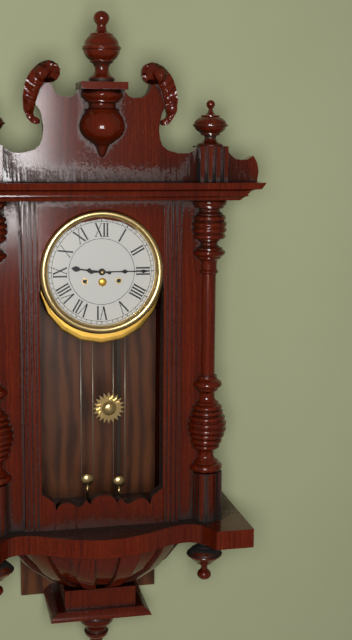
9:15
